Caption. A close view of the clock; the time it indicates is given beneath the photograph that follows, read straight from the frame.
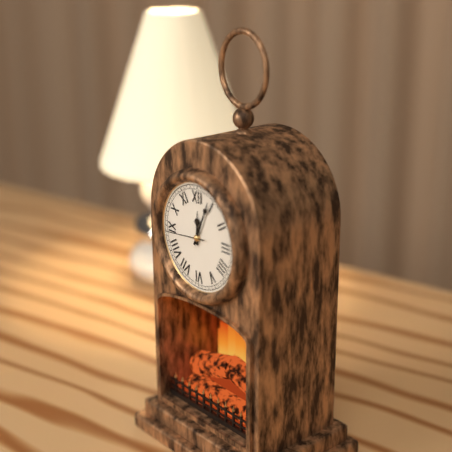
12:04:44
